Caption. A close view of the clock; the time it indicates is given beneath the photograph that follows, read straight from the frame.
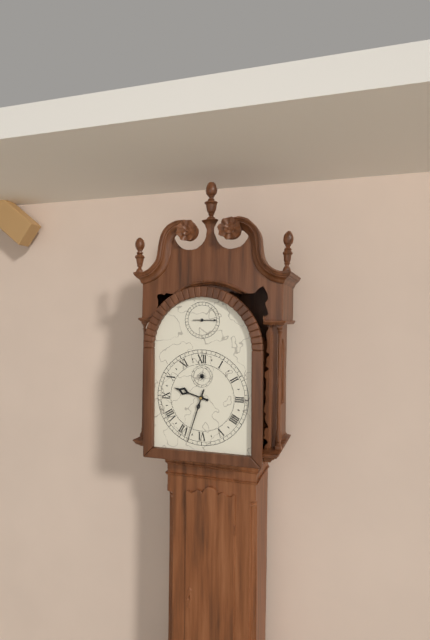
9:33
